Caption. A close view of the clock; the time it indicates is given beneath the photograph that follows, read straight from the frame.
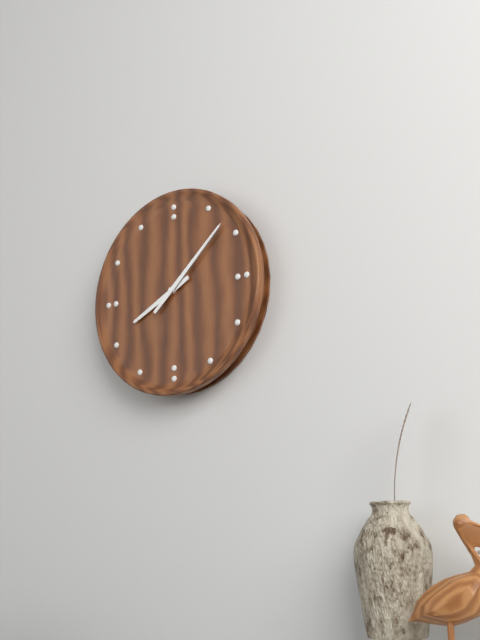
8:08
